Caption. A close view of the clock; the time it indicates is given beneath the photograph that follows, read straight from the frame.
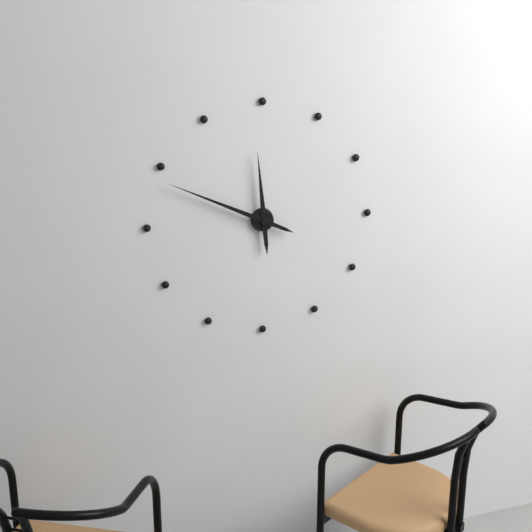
11:49
